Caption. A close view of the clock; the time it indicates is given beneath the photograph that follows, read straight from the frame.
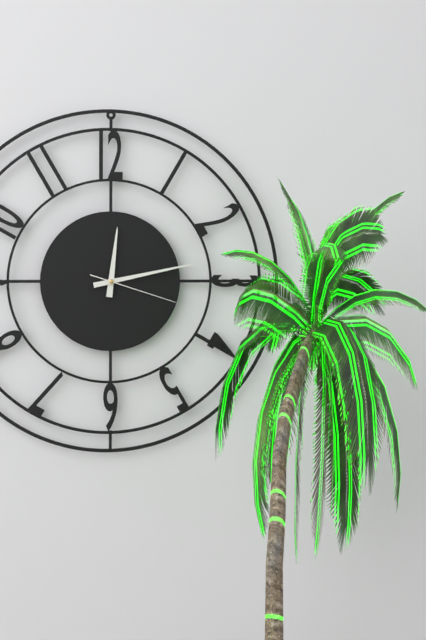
12:13:18
